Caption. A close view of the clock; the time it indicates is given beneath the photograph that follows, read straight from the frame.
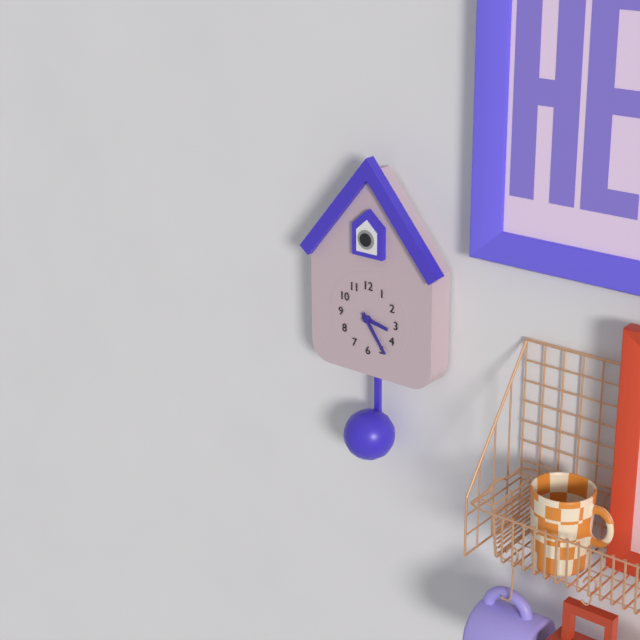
3:24
